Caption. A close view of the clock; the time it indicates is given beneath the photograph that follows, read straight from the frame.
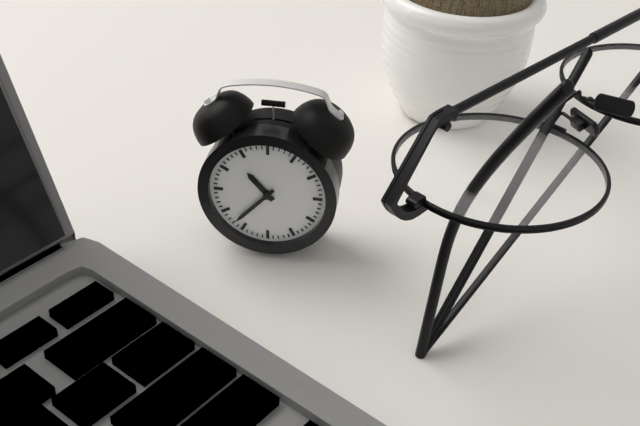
10:37
